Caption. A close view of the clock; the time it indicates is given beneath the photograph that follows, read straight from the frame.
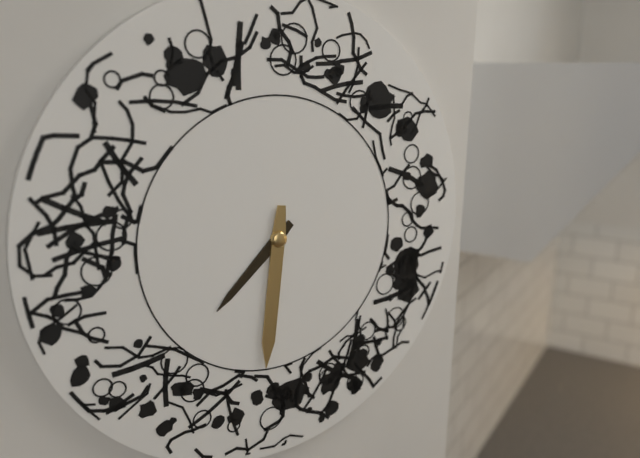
7:31
